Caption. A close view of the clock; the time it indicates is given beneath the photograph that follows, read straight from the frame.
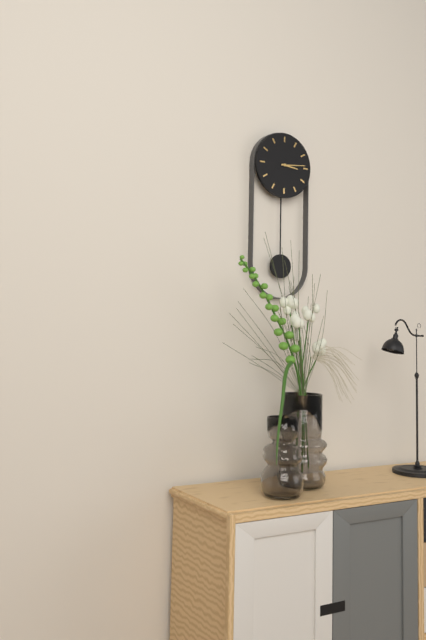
3:14
